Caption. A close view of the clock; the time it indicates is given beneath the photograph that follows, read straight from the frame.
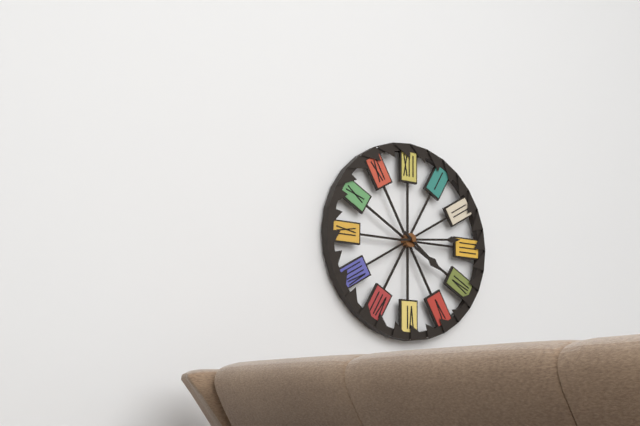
4:14
